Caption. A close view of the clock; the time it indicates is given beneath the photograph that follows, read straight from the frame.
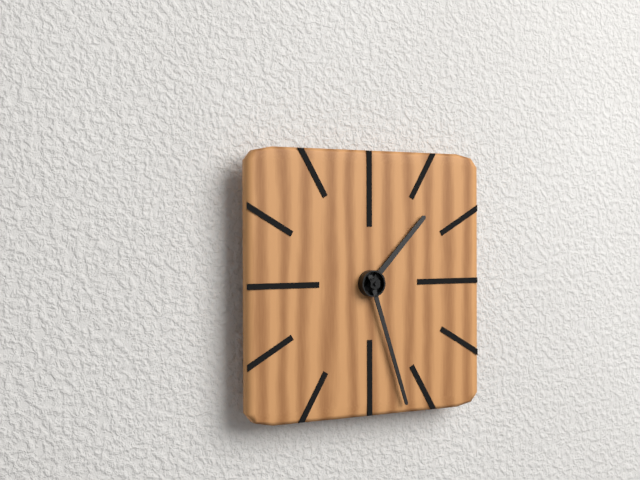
1:27
